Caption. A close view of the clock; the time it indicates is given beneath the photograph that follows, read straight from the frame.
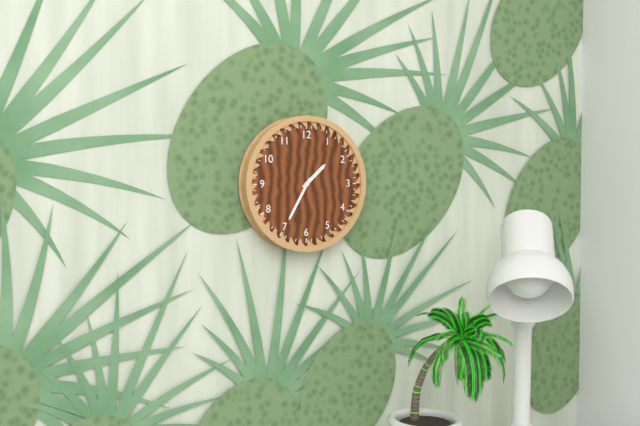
1:35
